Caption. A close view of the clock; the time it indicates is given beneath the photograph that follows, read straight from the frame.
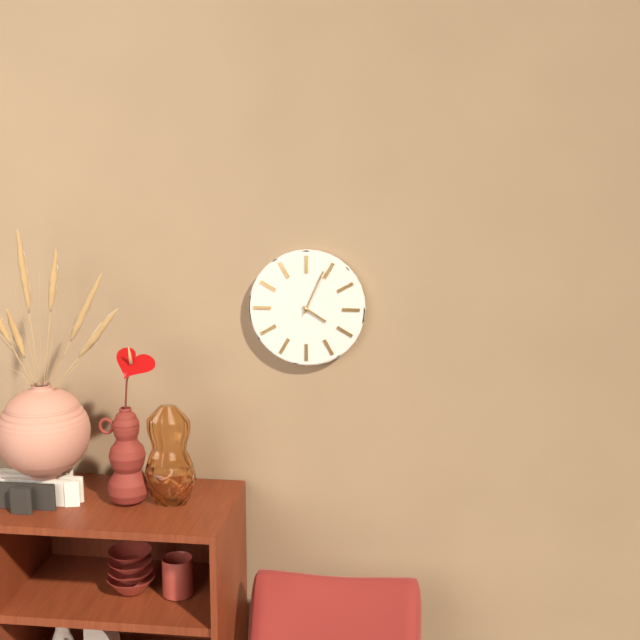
4:04
